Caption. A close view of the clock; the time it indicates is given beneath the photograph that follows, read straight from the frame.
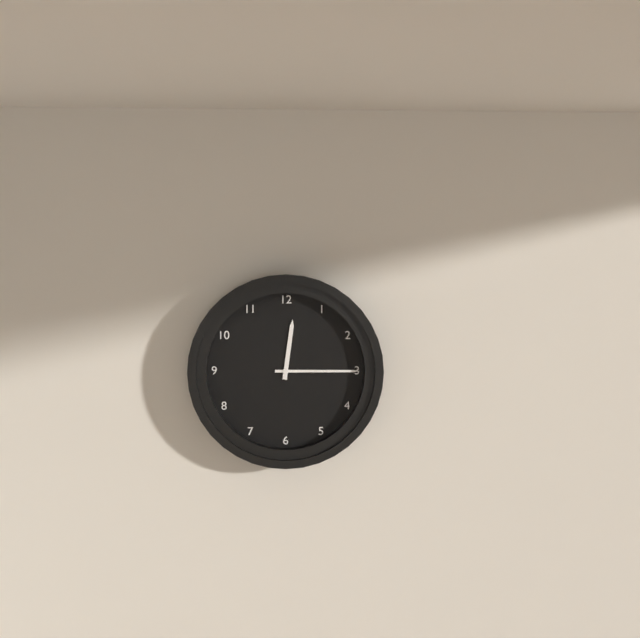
12:15
